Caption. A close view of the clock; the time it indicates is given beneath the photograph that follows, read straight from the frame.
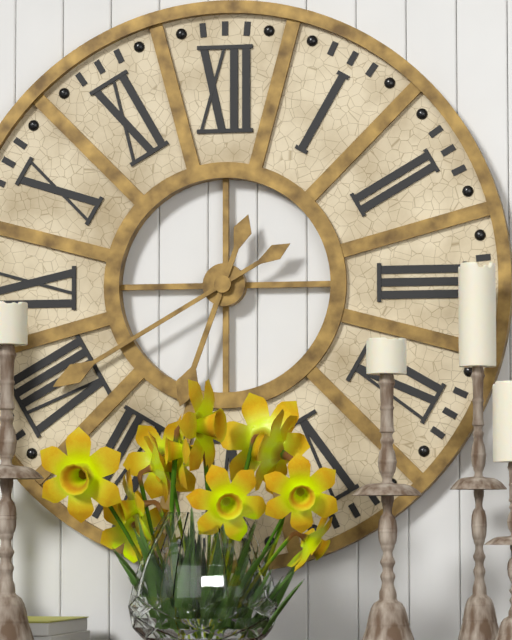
6:40
